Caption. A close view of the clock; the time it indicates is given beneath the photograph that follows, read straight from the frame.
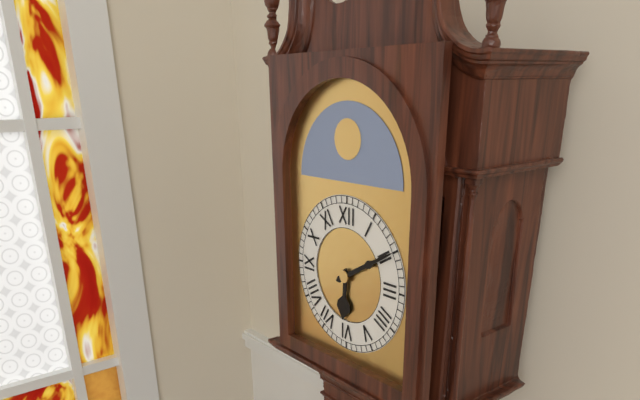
6:10
